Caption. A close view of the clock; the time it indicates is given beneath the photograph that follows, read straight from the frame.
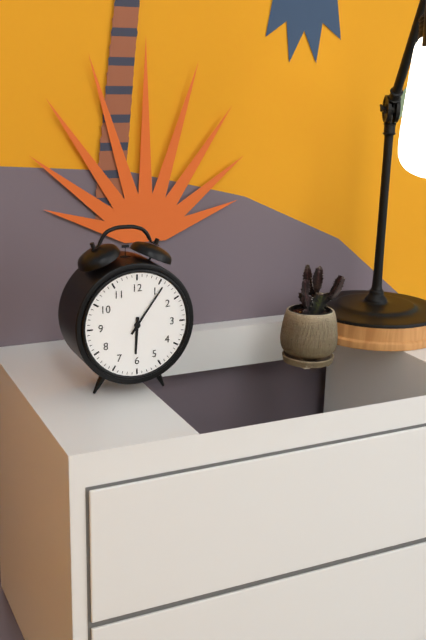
6:06
